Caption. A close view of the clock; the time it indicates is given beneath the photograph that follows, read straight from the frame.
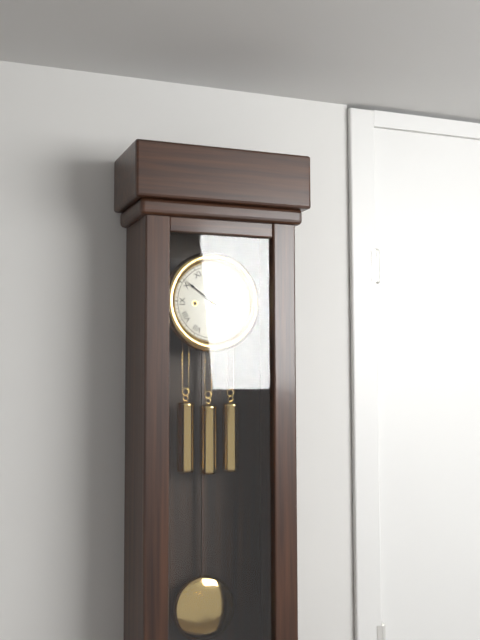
3:51
